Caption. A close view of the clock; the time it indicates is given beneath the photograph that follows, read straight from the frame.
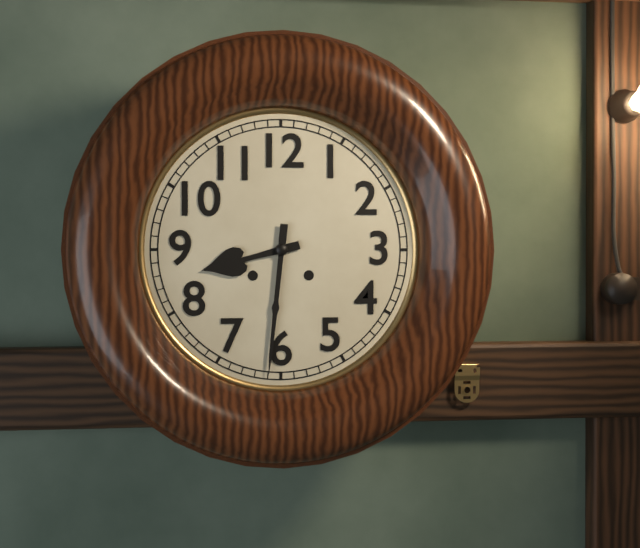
8:31
